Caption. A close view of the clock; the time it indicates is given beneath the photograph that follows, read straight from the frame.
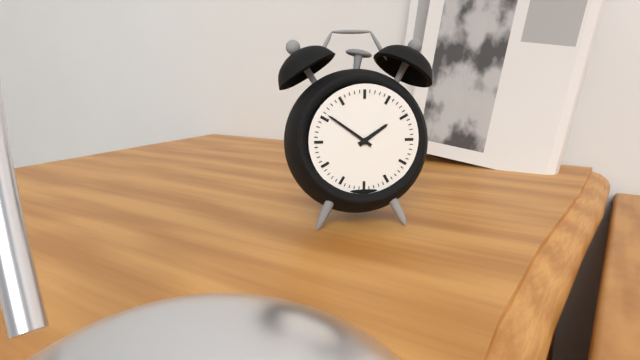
1:51
